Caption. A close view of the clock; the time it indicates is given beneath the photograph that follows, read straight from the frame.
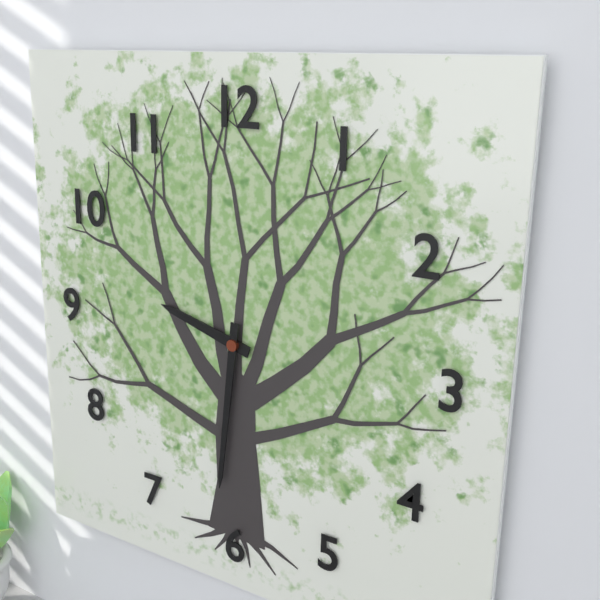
9:31
